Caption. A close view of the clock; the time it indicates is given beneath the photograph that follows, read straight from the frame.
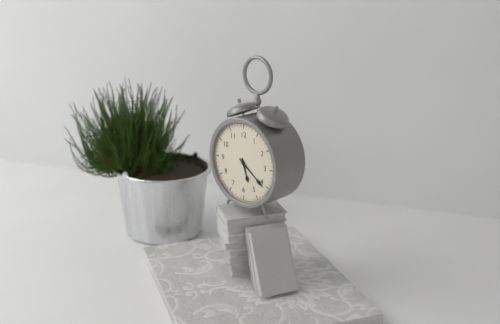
5:21
